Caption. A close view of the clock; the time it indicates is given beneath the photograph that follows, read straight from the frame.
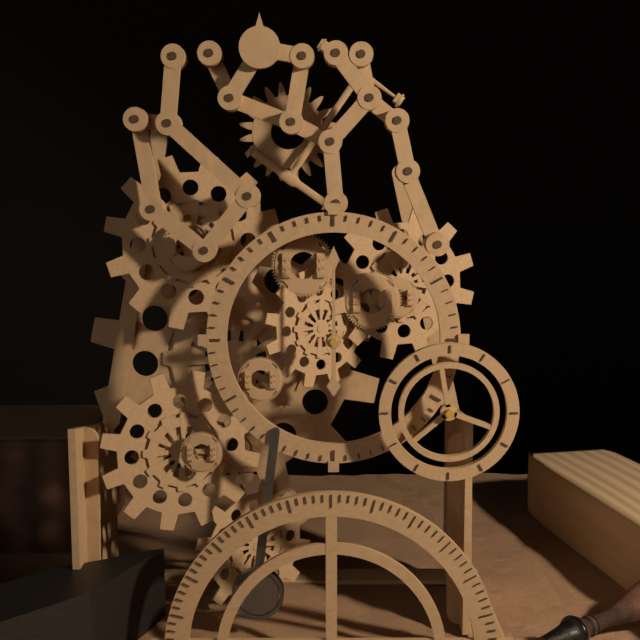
6:00
